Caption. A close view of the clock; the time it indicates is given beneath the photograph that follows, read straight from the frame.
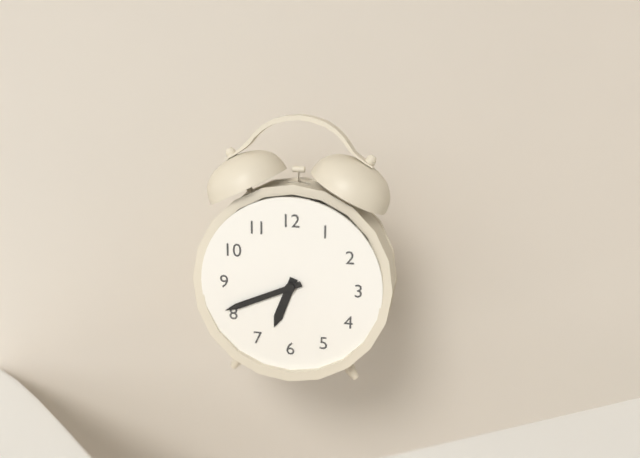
6:41
